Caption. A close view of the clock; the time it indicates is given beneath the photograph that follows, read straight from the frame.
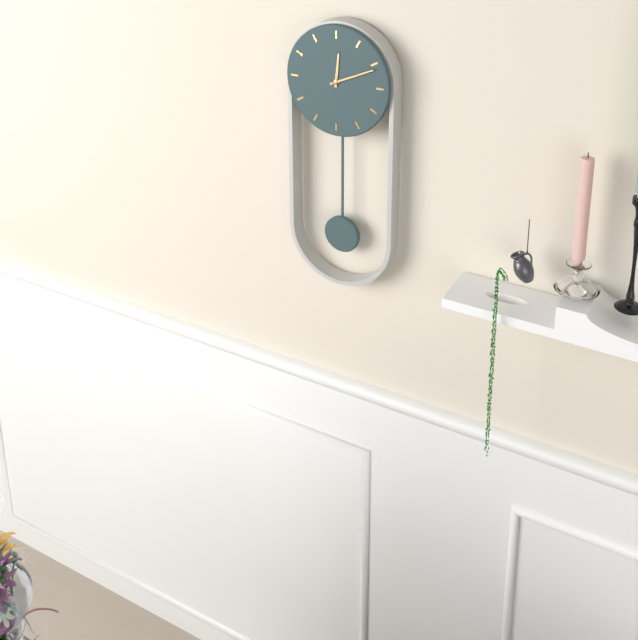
12:11
